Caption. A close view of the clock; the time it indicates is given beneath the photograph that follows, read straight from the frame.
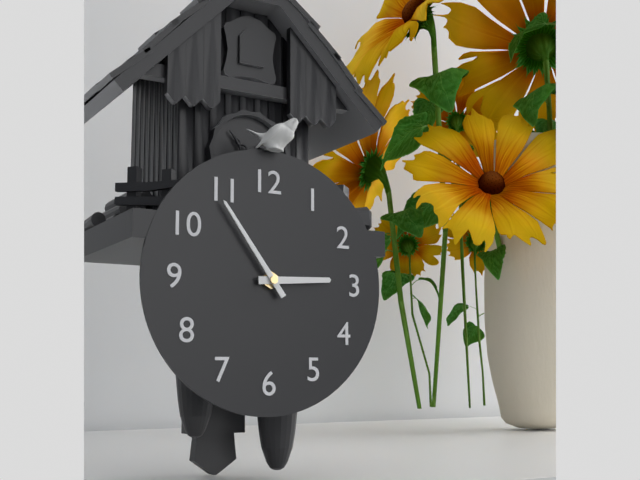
2:54
